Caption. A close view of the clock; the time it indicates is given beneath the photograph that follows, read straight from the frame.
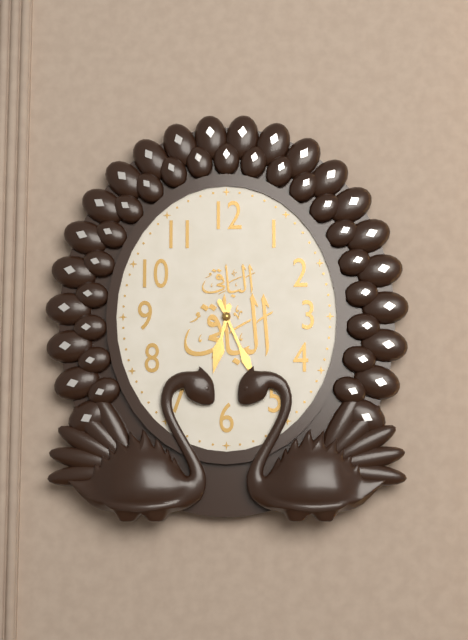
6:26
